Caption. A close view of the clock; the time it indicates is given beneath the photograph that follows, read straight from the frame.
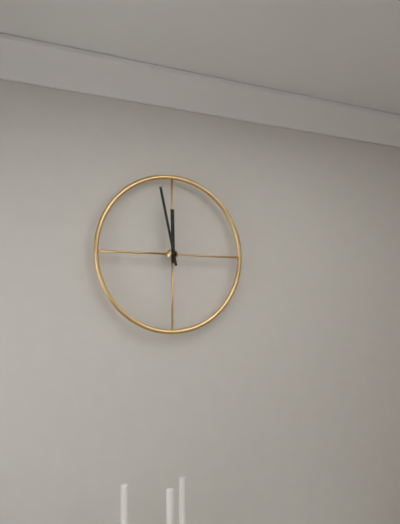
11:58
